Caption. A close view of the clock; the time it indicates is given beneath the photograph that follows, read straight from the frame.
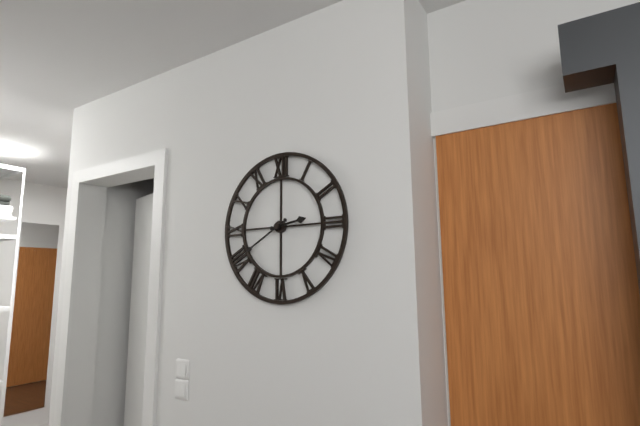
2:40
